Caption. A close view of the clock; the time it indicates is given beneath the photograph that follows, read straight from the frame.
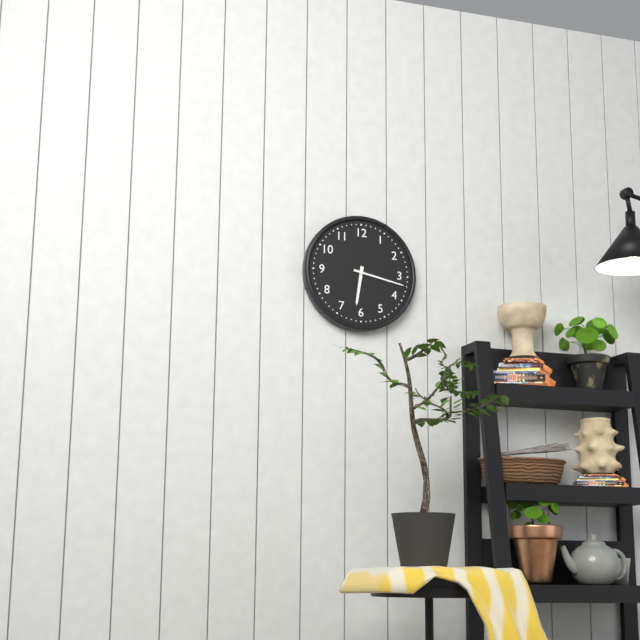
6:17
